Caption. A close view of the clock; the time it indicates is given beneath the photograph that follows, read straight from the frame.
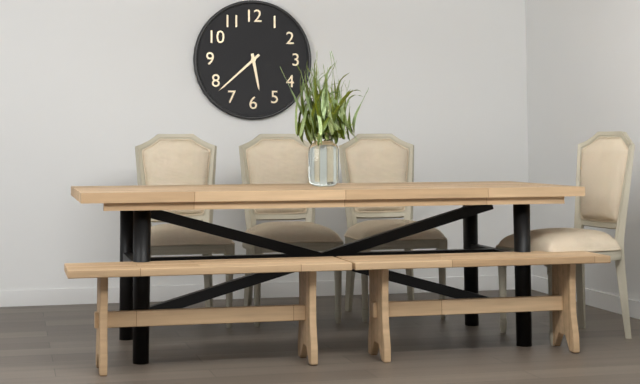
5:38
